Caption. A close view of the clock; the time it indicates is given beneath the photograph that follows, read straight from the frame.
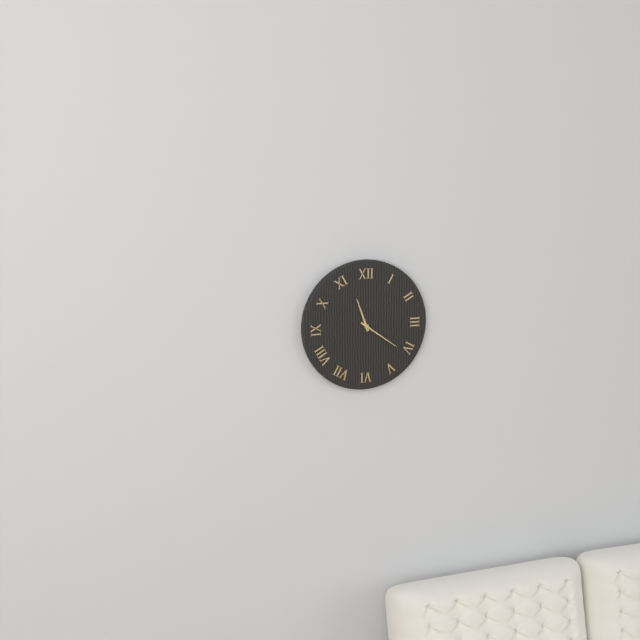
11:21
